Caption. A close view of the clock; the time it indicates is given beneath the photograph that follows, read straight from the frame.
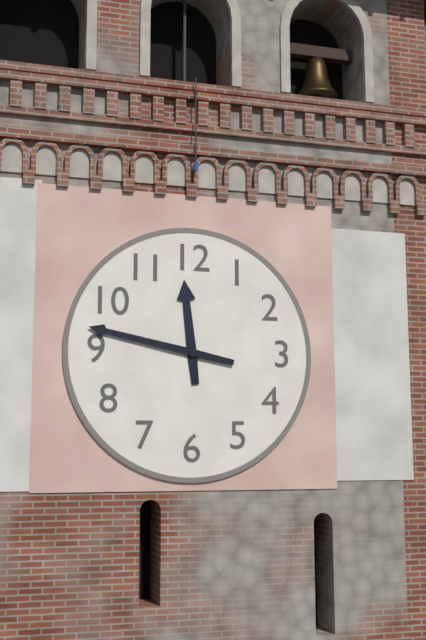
11:47
